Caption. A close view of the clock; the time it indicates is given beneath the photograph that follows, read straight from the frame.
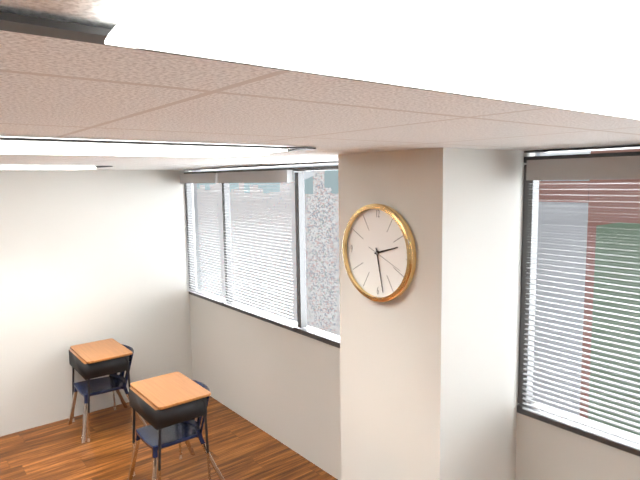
2:28
